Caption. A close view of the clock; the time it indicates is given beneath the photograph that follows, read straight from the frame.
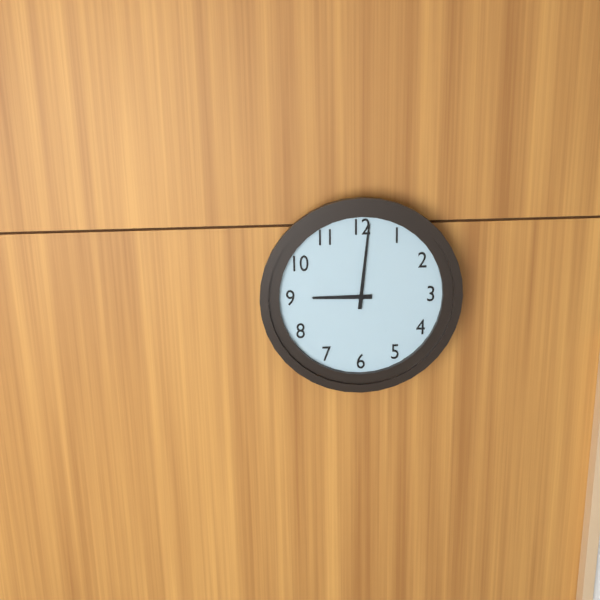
9:01
